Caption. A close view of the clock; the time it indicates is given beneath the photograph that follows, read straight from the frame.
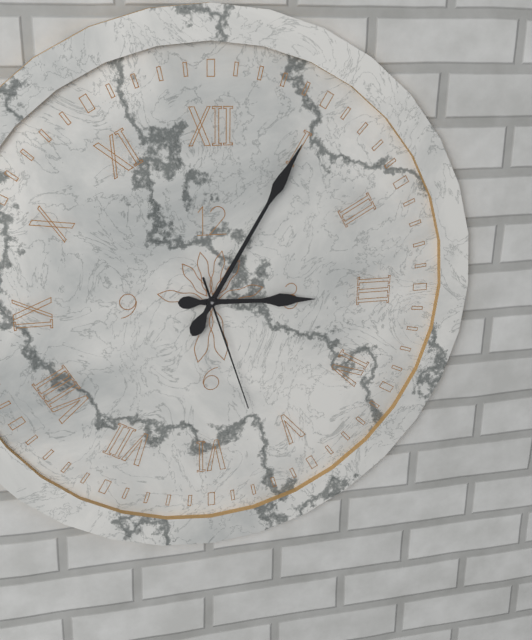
3:05:27
